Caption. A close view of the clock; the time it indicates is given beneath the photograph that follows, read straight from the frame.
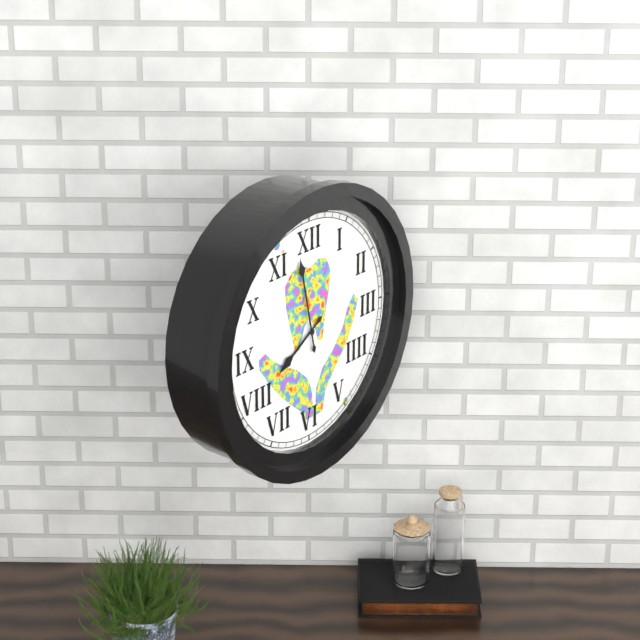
7:58
